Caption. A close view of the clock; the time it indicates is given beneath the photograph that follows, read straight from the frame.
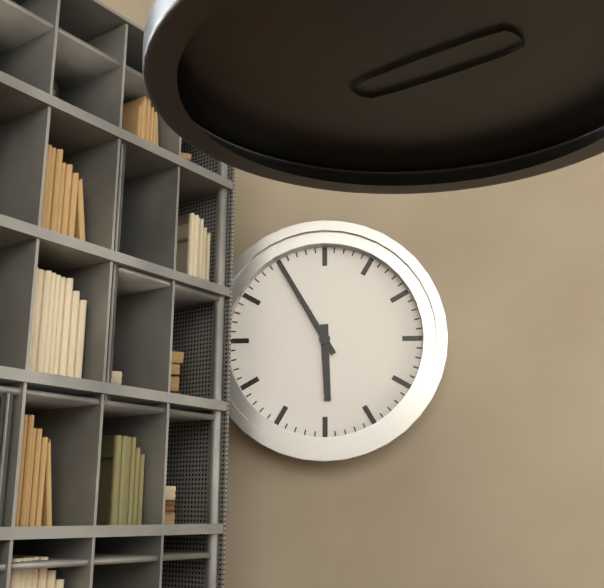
5:55
